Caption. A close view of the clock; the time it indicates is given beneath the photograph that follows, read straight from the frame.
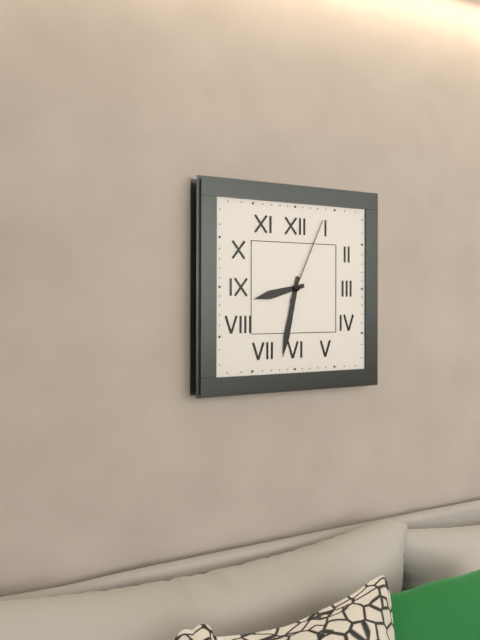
8:32:04
